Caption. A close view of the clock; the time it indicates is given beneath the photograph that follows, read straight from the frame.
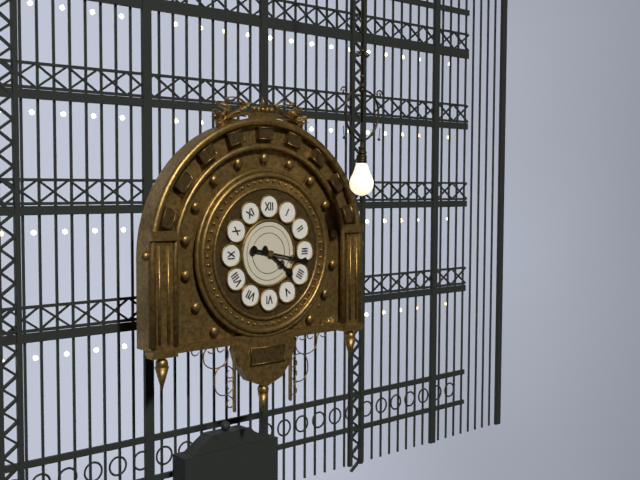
4:17
